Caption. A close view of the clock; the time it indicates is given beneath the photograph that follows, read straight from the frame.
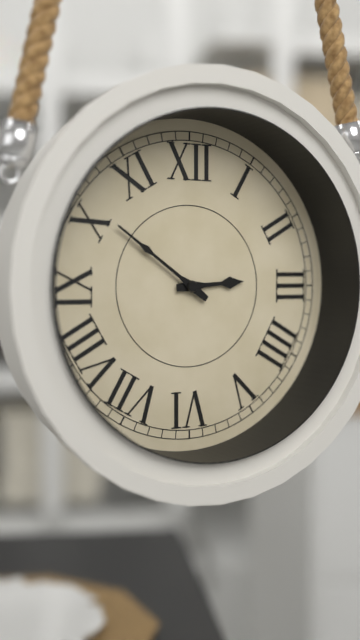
2:51
